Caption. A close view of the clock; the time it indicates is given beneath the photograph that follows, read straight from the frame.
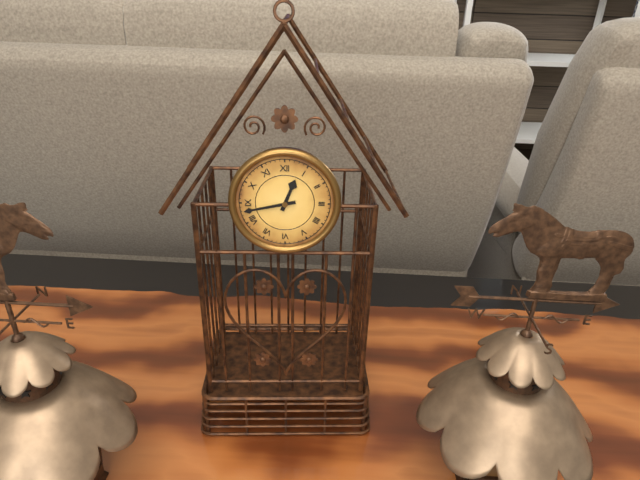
12:43
